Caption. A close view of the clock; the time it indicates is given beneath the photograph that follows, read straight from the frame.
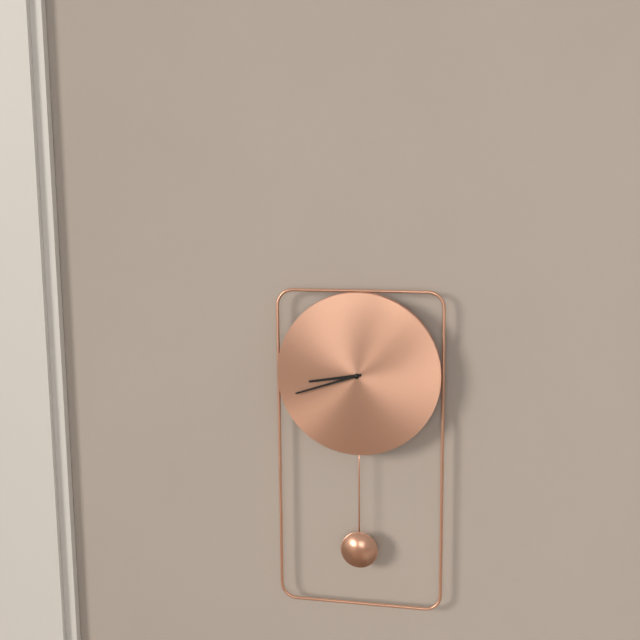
8:42
